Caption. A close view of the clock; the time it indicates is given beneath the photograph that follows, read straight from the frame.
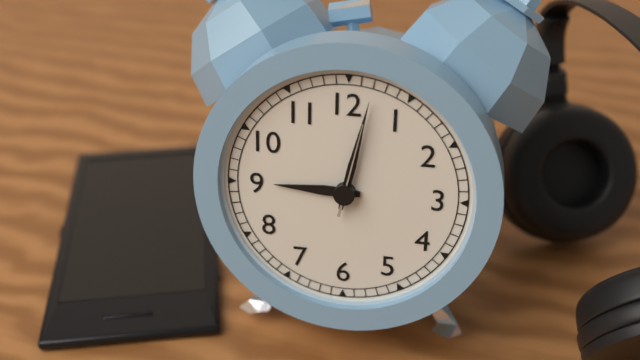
9:02:02
